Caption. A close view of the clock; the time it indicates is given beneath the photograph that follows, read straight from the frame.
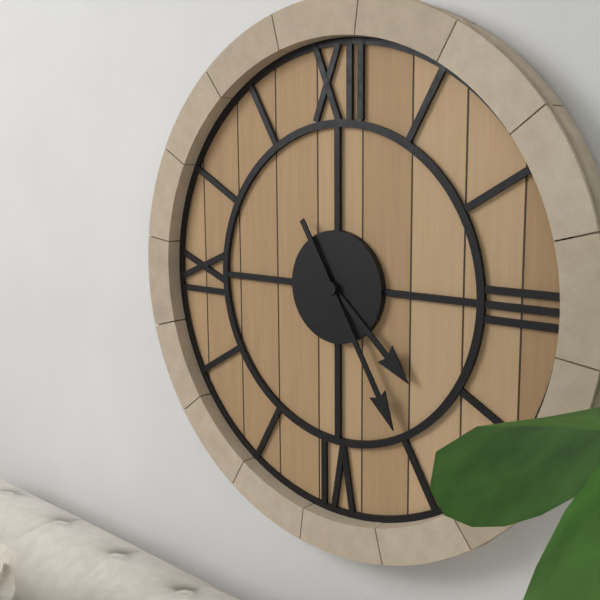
4:25
